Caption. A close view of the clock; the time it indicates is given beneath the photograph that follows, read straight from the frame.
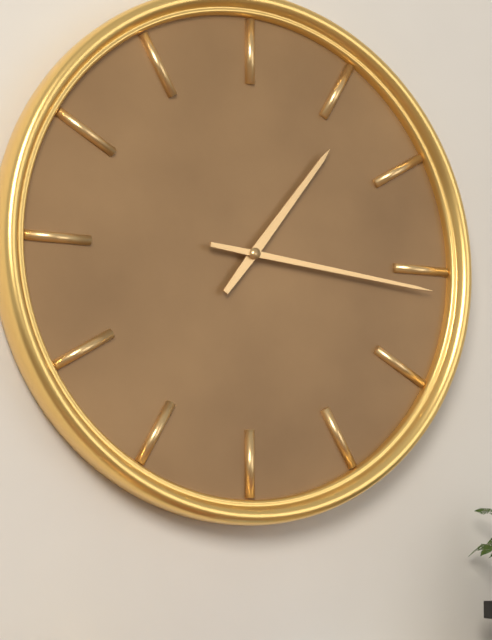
1:16
